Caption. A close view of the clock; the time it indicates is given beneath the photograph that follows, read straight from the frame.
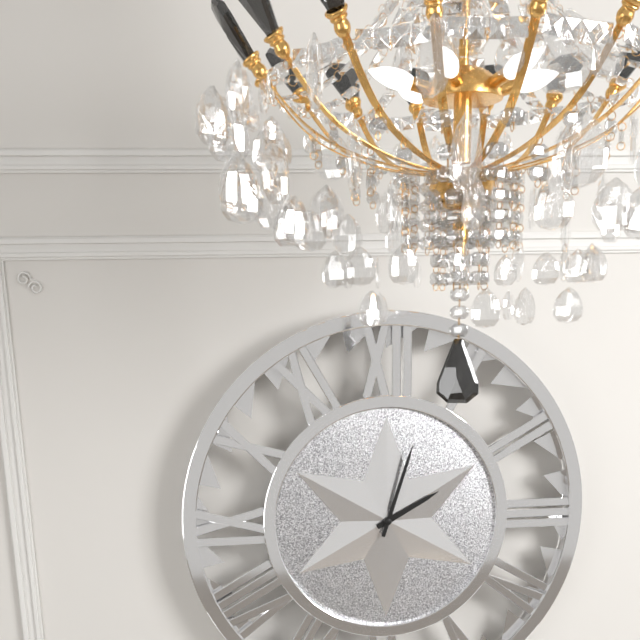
2:03
